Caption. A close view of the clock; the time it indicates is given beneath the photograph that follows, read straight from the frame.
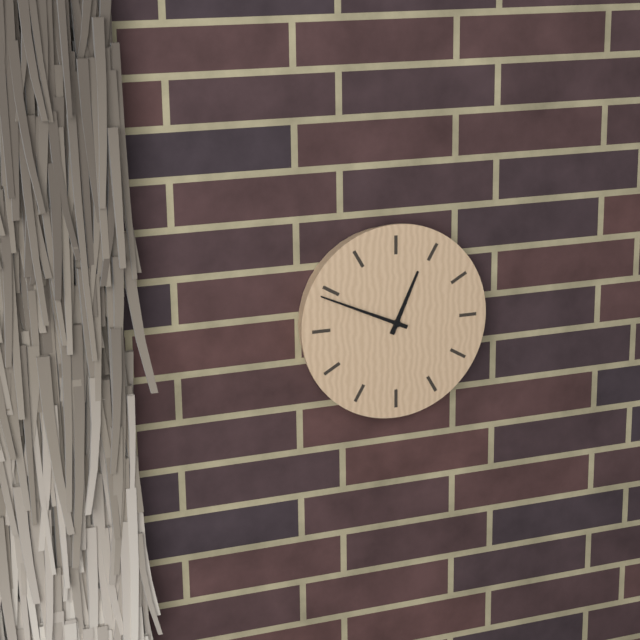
12:49
